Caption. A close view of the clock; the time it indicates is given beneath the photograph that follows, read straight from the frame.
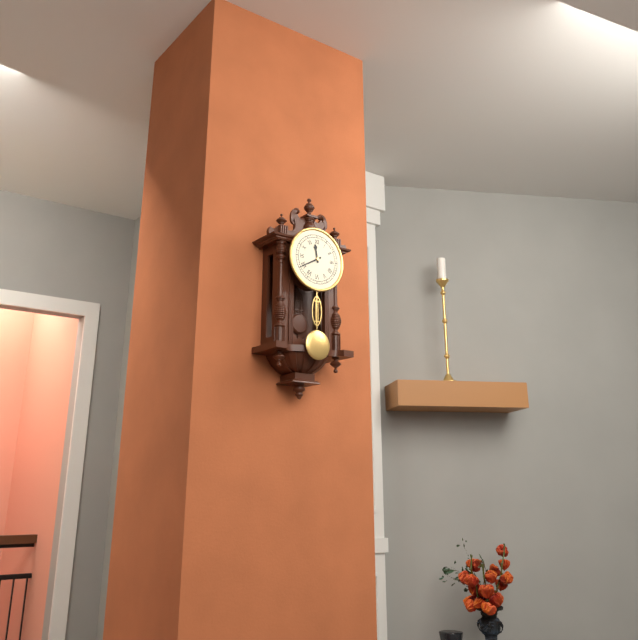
11:40
